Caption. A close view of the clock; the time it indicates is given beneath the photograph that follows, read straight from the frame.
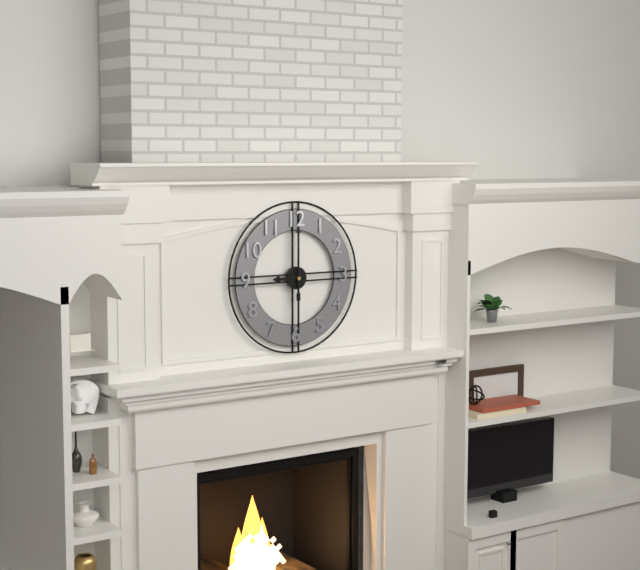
9:00
